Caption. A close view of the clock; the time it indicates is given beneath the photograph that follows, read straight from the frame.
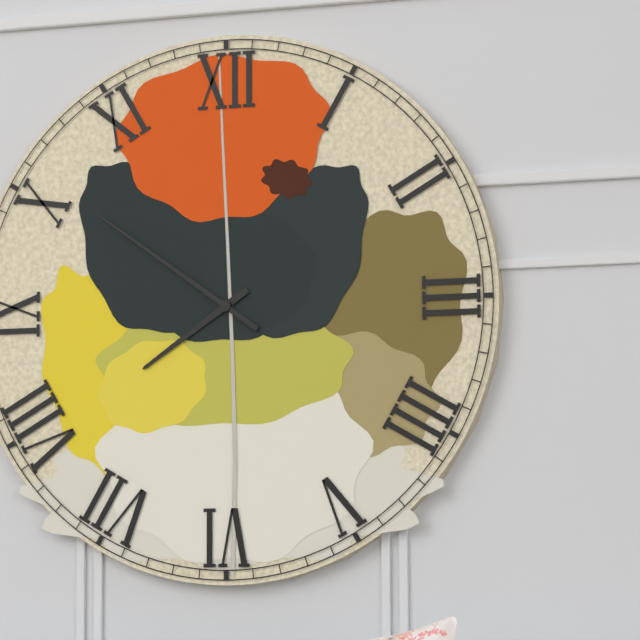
7:51
